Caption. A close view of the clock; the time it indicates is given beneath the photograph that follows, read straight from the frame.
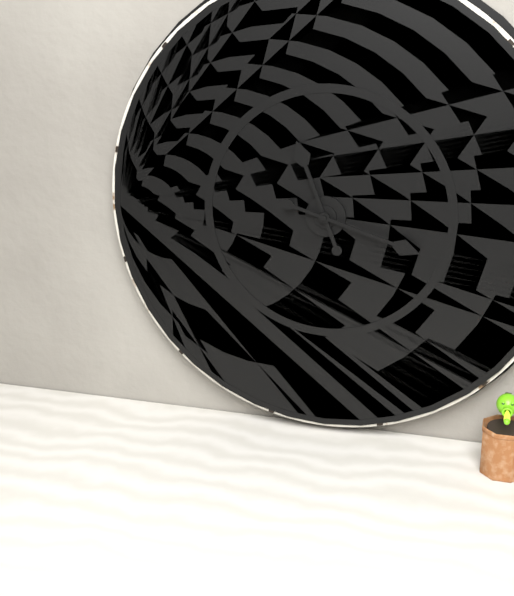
11:18
